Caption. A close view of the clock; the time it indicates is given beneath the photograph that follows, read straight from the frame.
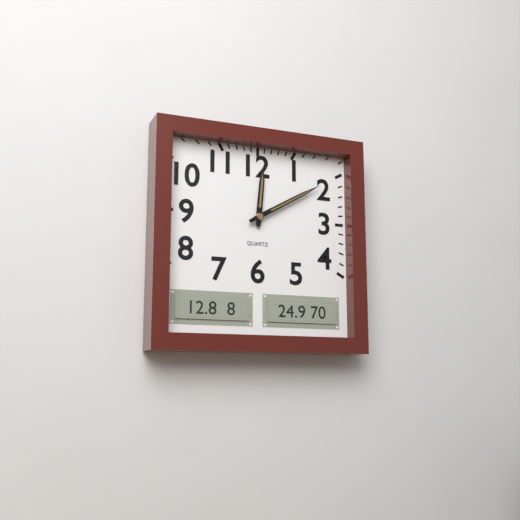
12:10
